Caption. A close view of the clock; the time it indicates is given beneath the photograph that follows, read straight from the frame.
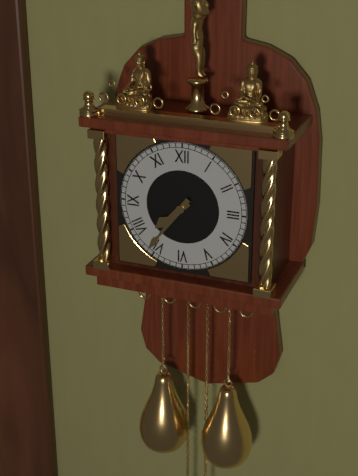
7:36
